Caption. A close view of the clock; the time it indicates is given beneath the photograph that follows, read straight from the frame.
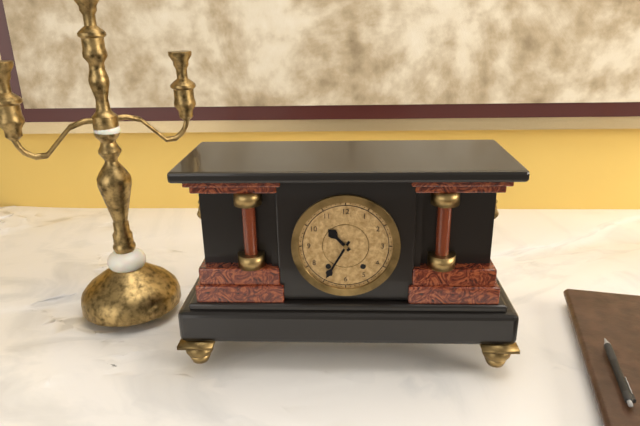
10:35
